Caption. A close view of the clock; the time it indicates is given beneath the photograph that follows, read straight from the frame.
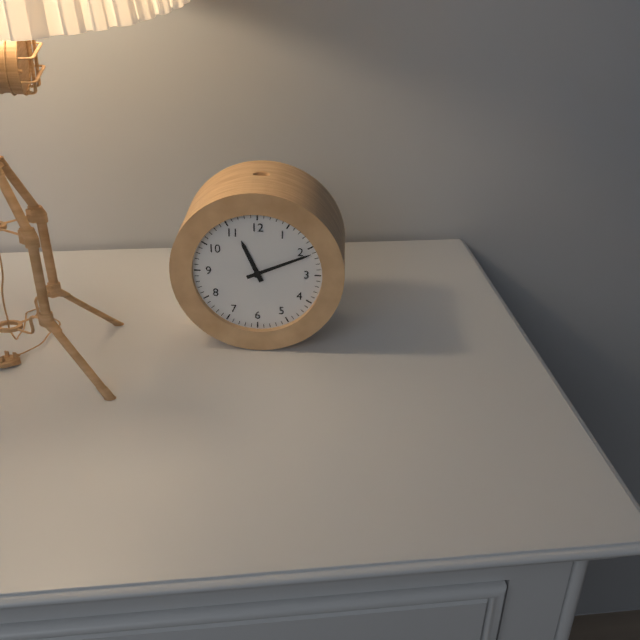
11:11
